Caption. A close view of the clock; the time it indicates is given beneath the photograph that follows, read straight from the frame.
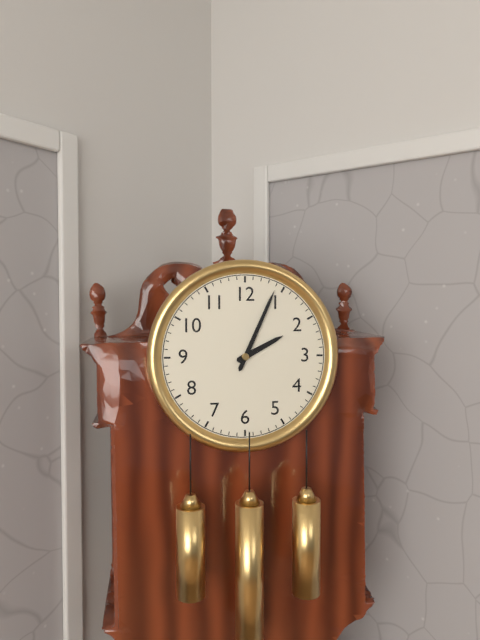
2:04
